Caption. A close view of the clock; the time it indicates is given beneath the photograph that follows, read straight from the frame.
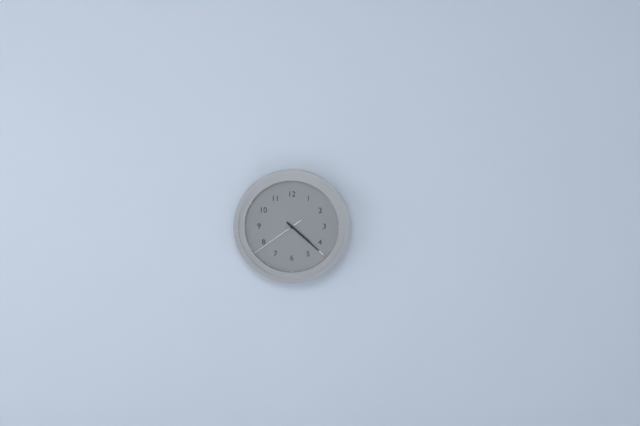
4:22:39
